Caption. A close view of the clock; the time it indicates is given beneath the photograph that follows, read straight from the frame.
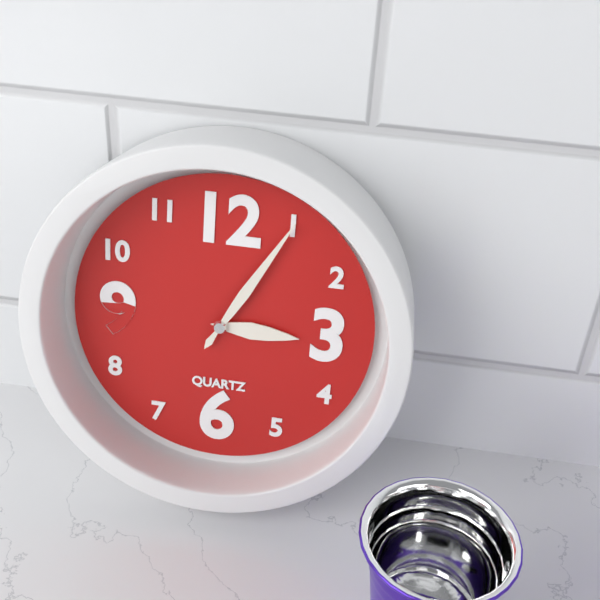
3:05
